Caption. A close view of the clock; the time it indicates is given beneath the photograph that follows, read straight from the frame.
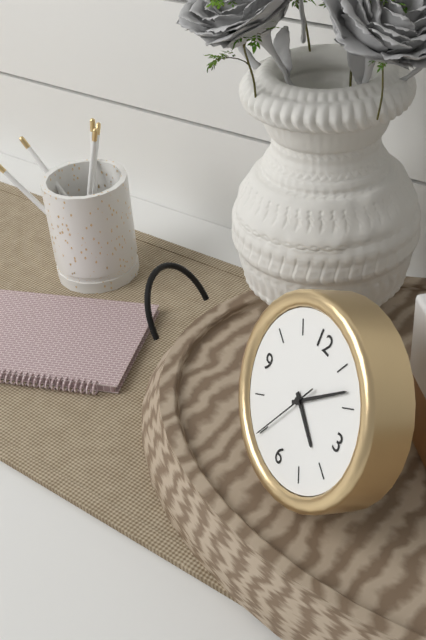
4:08:35
